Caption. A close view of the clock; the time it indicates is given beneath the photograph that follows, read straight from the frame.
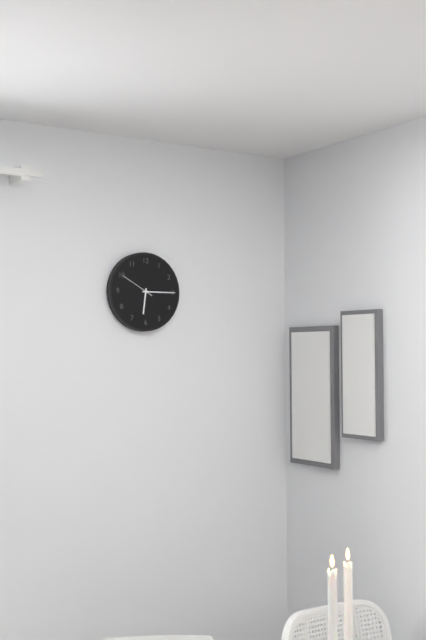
6:15
